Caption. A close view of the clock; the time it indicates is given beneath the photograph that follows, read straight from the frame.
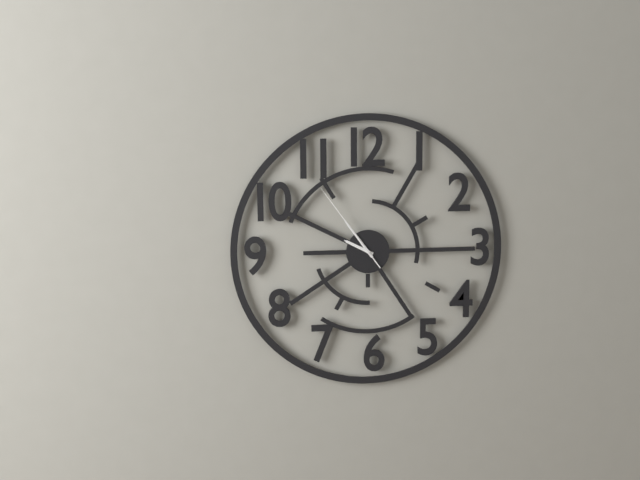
9:54:54
